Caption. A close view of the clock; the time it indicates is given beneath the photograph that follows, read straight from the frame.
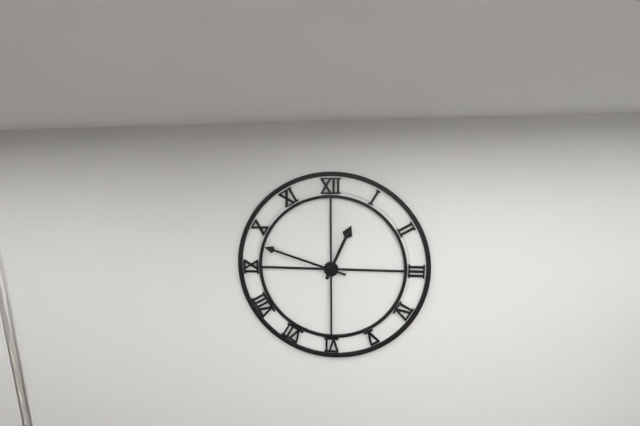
12:48
